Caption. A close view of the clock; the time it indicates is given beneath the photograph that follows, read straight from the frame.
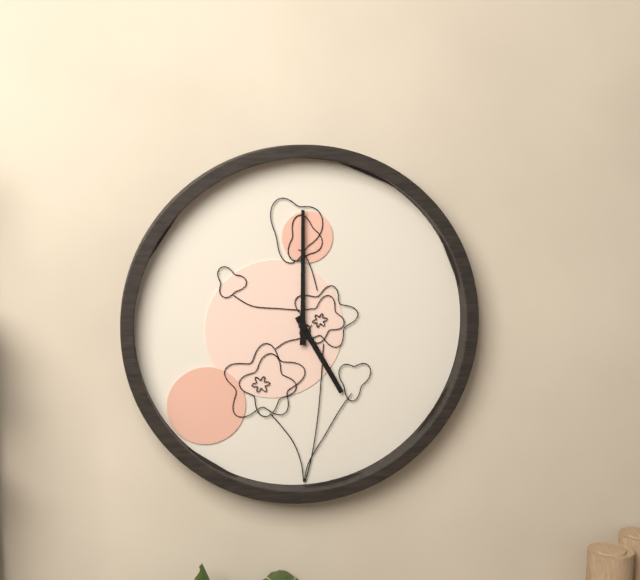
5:00
